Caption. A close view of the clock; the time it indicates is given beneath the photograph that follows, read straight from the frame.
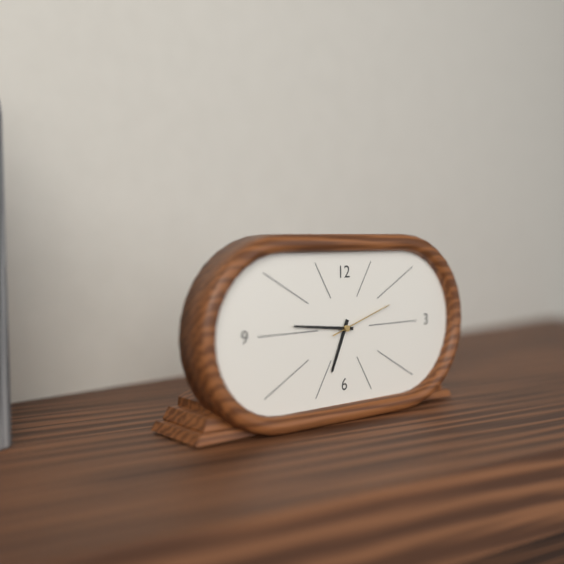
6:46:12
